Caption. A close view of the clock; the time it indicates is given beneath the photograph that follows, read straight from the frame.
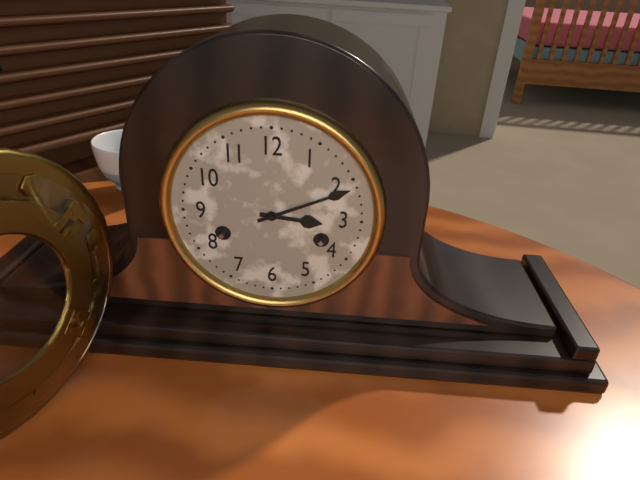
3:11
